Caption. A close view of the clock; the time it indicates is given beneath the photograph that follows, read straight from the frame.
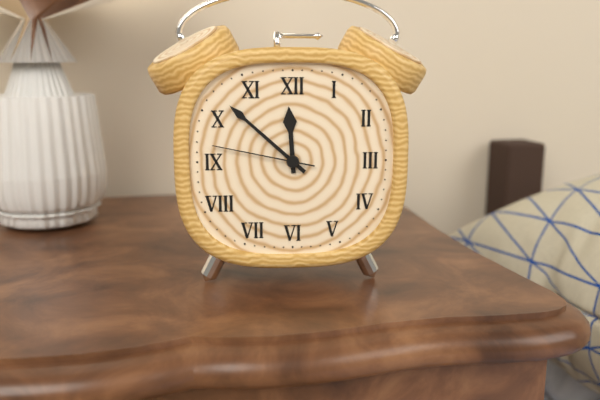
11:52:47
